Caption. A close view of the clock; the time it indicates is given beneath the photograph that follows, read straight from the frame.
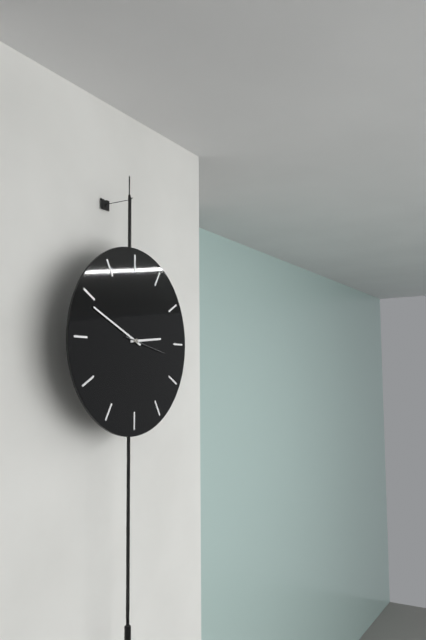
2:49
